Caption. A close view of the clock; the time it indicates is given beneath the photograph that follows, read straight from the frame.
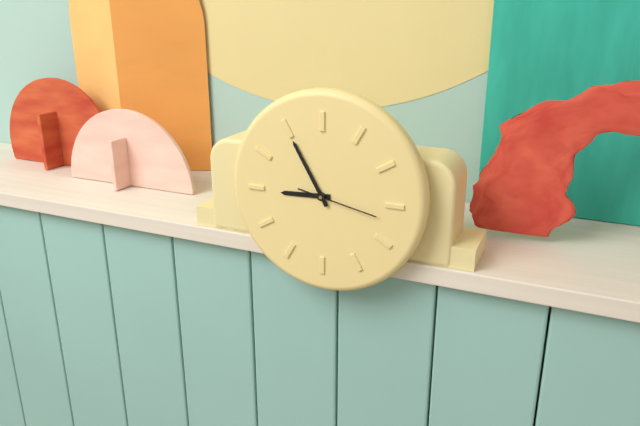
8:55:17
